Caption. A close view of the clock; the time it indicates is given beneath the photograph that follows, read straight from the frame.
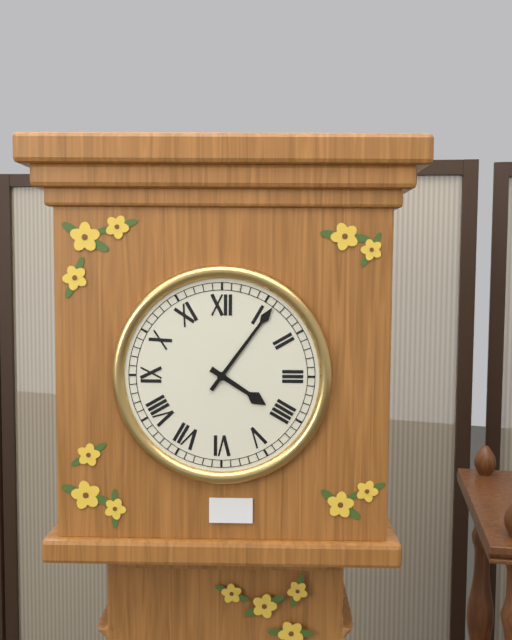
4:06
